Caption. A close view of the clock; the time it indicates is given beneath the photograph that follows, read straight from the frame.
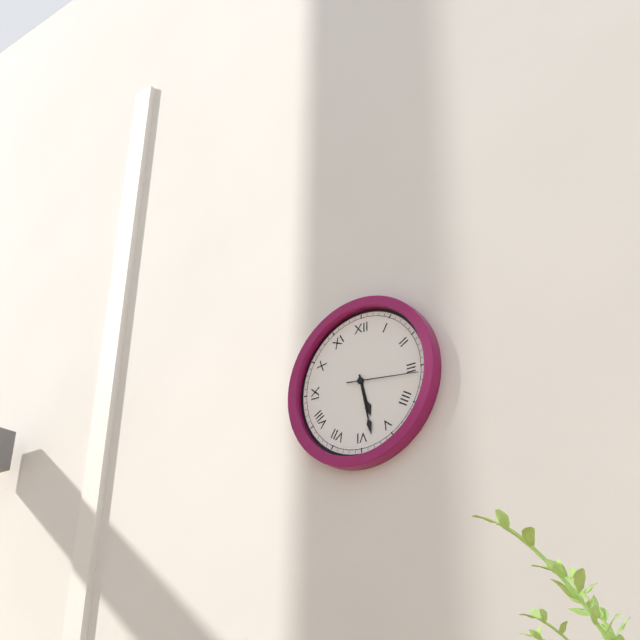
5:28:16
